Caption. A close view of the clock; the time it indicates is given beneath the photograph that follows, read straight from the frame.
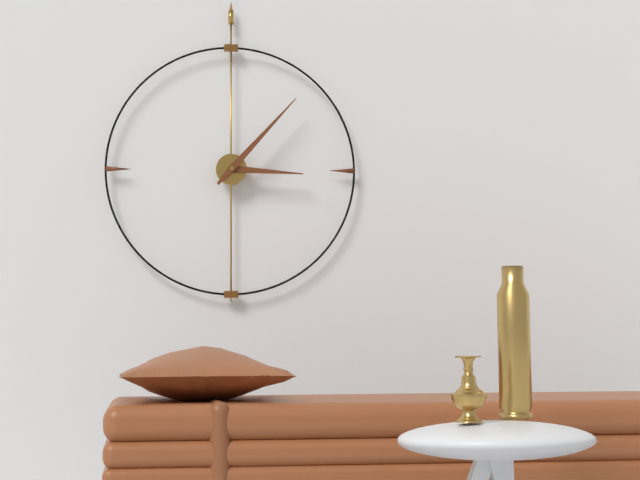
3:07
